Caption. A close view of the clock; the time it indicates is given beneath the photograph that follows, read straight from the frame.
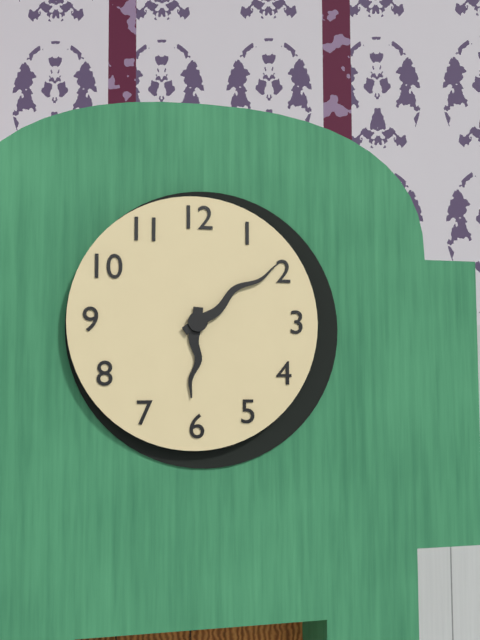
6:09
